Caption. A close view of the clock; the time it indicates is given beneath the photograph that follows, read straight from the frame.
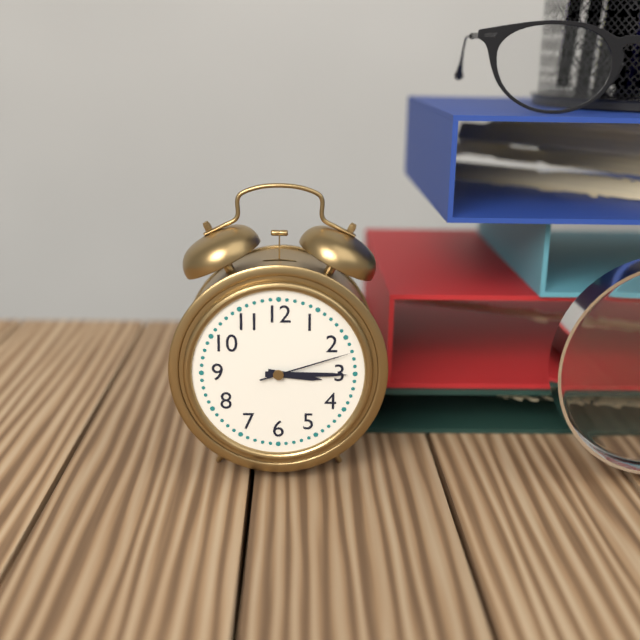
3:15:12
